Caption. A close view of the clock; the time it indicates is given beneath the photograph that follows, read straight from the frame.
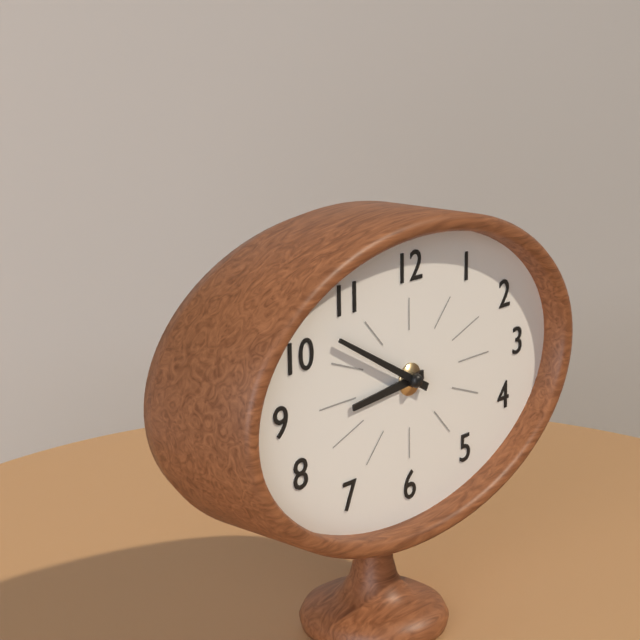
8:50
